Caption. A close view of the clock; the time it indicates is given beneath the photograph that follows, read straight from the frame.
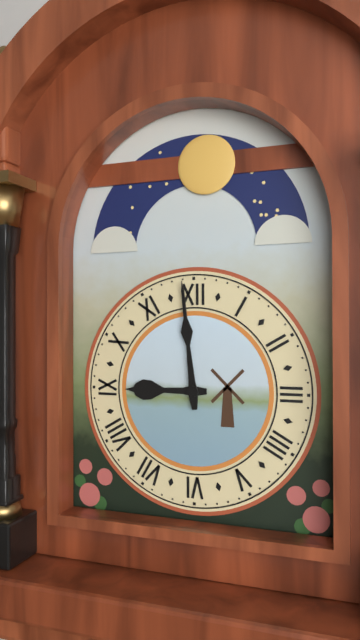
8:59
